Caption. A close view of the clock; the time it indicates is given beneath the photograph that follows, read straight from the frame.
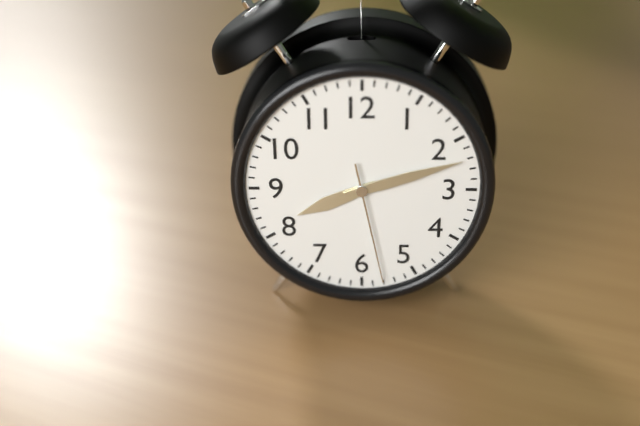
8:12:28
